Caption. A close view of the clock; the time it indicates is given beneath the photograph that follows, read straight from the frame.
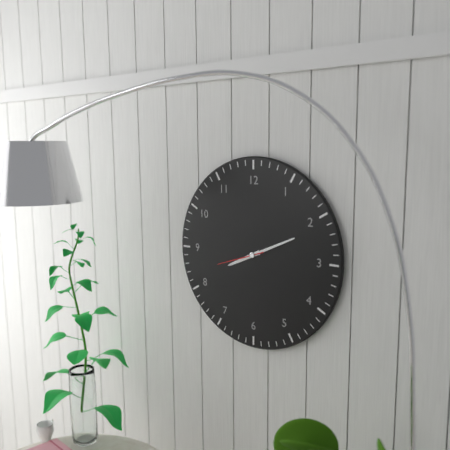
8:11
